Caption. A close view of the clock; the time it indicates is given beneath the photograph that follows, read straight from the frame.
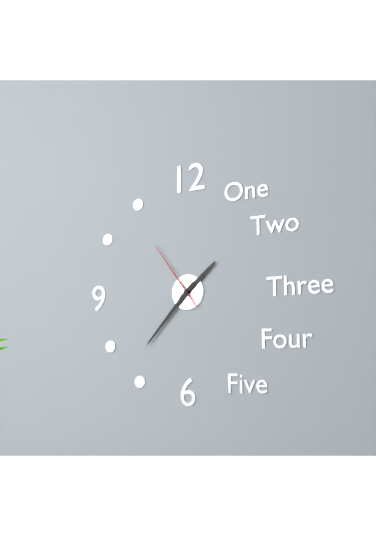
1:37:54
